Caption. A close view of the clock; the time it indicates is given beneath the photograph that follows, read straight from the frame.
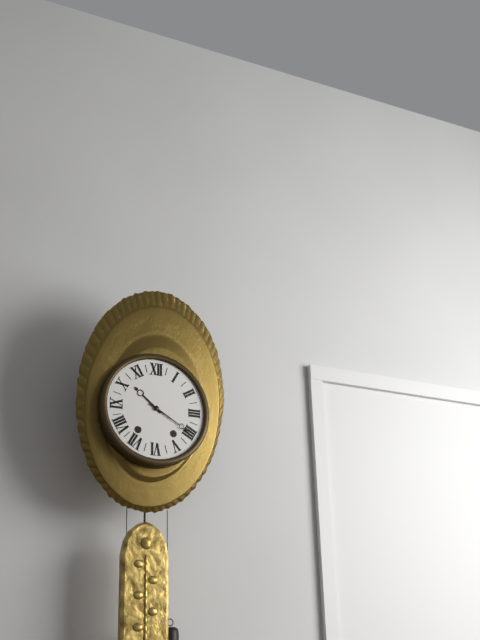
10:20
